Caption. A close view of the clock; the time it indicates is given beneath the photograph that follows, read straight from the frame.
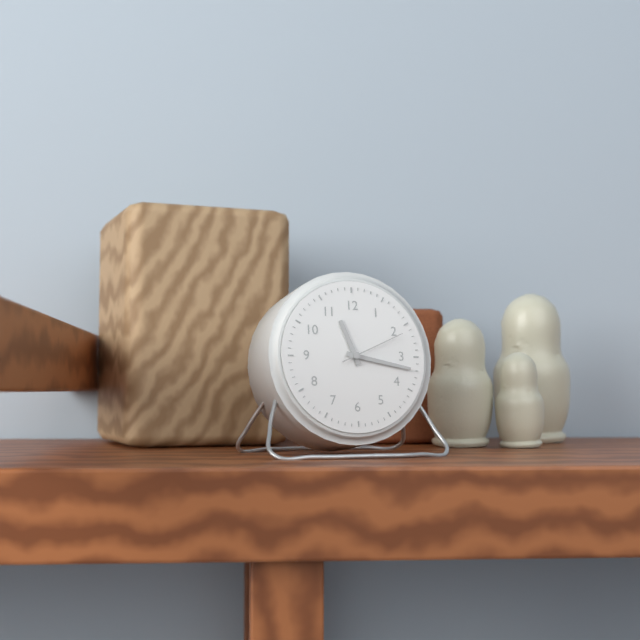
11:17:11
